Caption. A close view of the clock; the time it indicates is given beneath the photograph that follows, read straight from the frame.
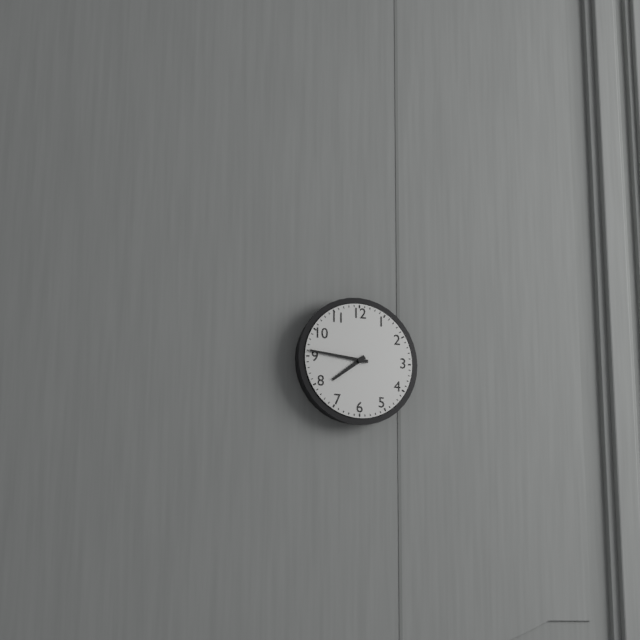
7:46
